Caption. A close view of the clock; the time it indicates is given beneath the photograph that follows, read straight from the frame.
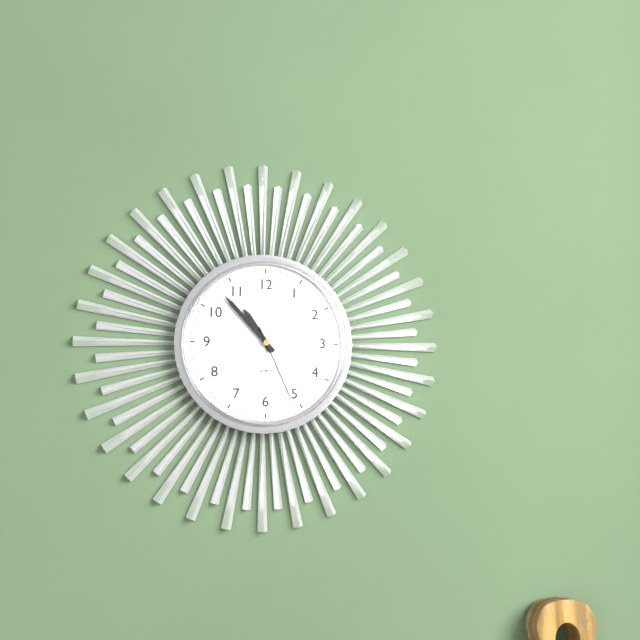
10:53:26
